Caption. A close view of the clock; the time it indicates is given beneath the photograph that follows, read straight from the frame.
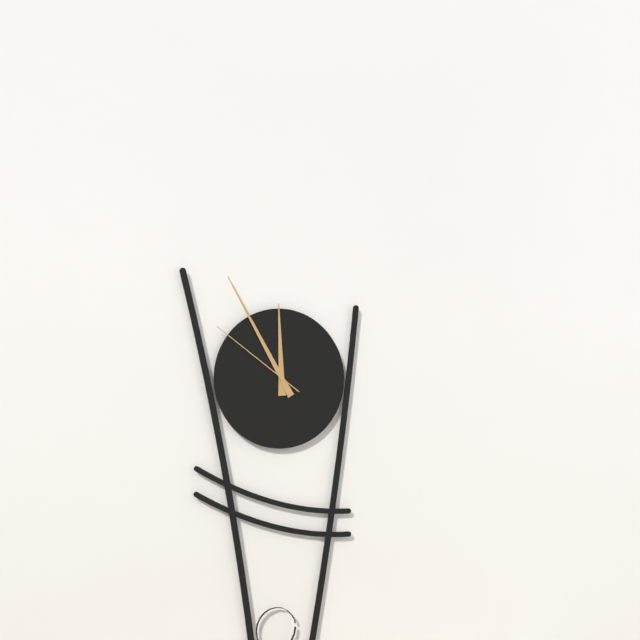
11:55:51
